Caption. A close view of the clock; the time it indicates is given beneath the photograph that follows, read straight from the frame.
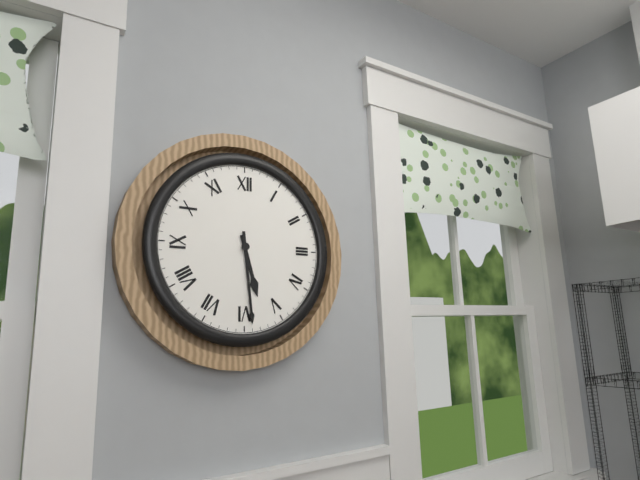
5:29
